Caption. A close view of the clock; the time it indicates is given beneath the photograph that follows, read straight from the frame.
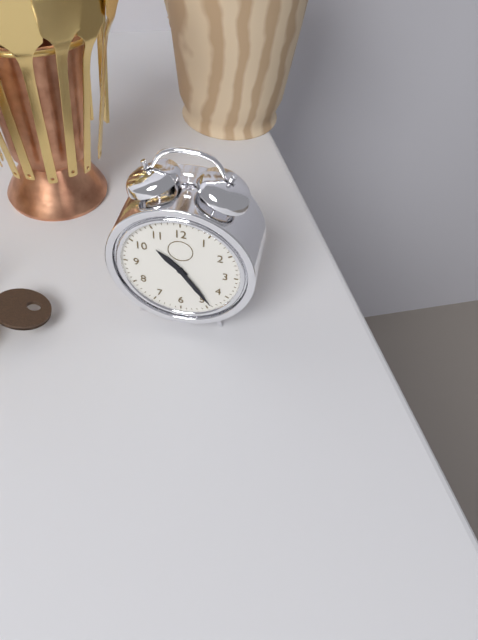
10:24
